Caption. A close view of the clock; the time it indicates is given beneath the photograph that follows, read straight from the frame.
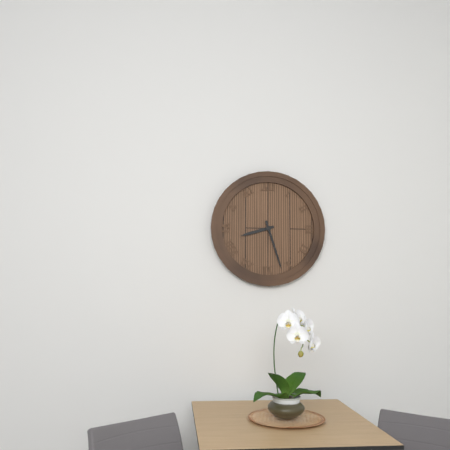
8:27
